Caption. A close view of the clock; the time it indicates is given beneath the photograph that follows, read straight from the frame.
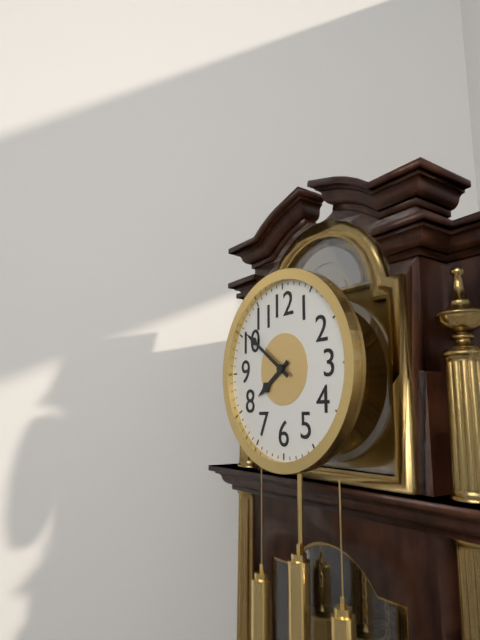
7:51
